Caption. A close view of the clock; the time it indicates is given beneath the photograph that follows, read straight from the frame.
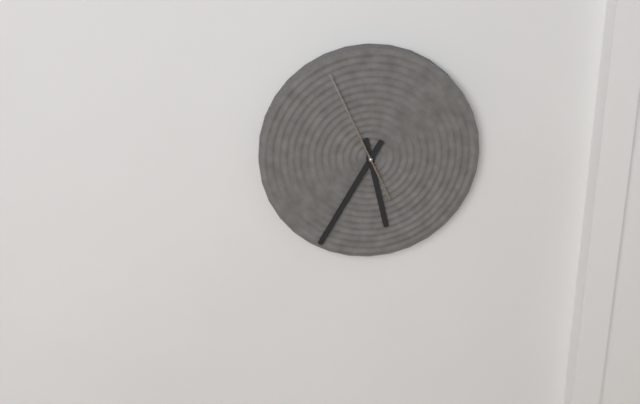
5:35:56
